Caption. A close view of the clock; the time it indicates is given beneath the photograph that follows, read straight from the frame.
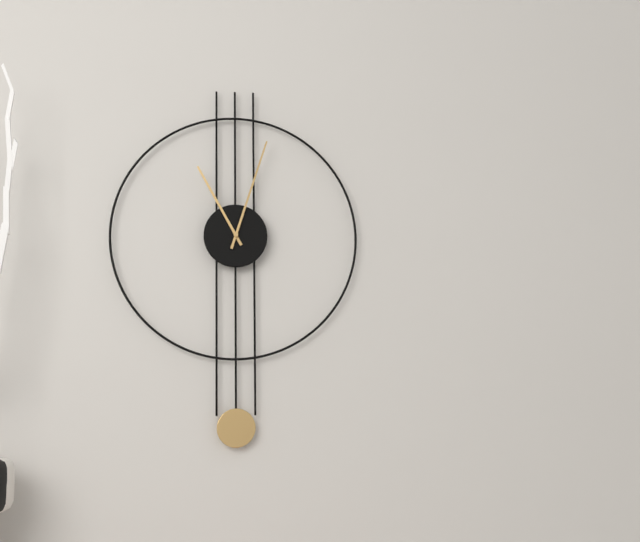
11:03
